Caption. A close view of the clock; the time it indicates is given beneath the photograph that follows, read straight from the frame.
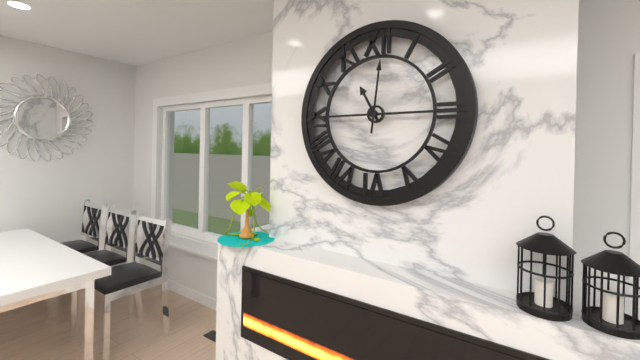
11:01
